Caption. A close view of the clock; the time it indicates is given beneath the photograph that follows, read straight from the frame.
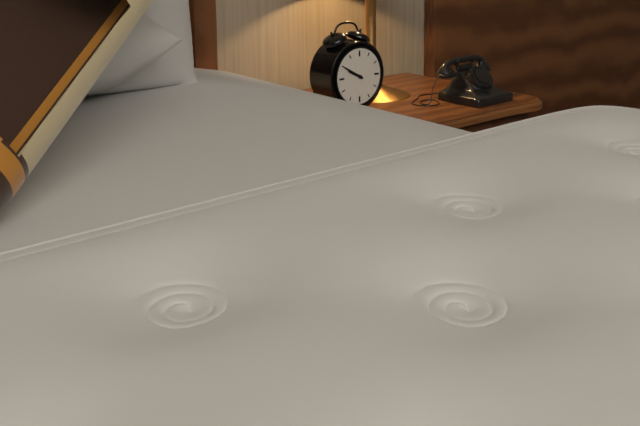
9:50
